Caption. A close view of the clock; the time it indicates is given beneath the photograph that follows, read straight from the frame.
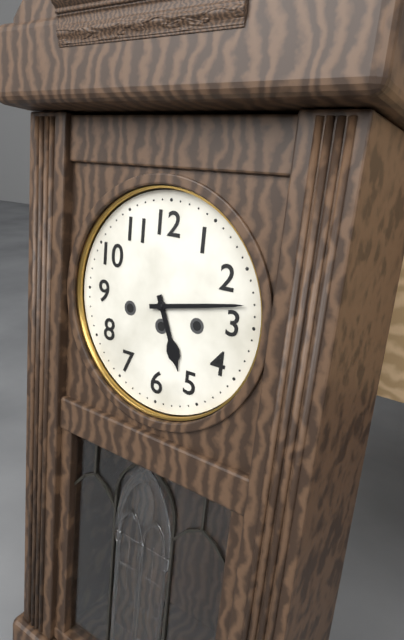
5:13
